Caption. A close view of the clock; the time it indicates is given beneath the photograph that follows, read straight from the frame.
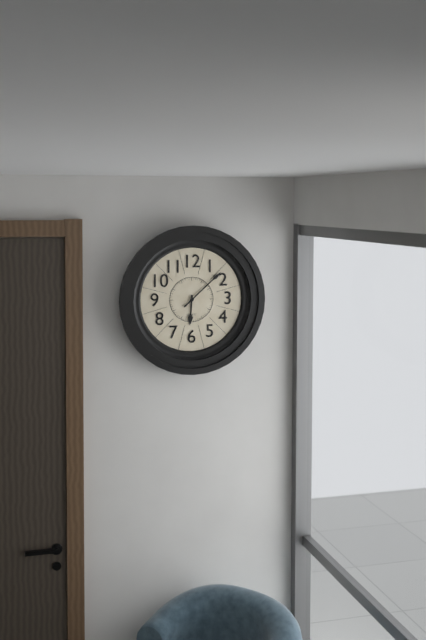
6:08
